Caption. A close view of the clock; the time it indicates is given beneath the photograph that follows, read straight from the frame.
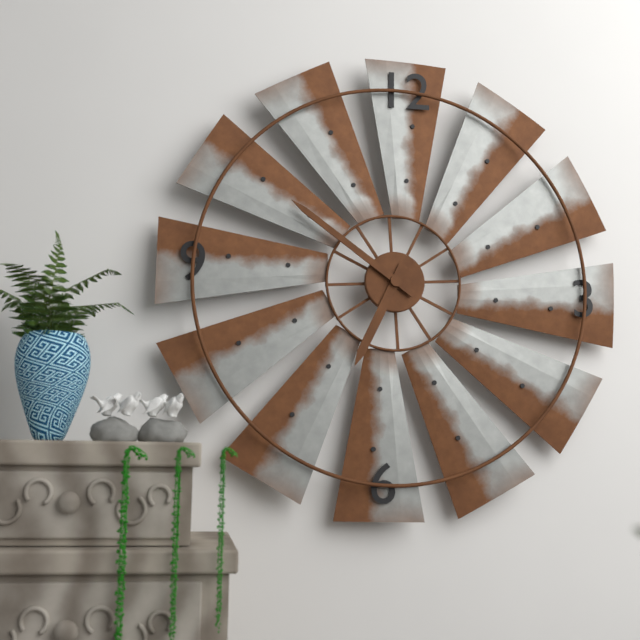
6:51
